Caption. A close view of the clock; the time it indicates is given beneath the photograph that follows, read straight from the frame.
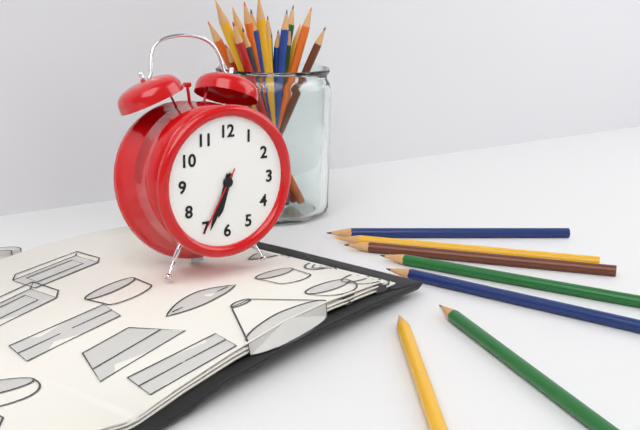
6:34:35
